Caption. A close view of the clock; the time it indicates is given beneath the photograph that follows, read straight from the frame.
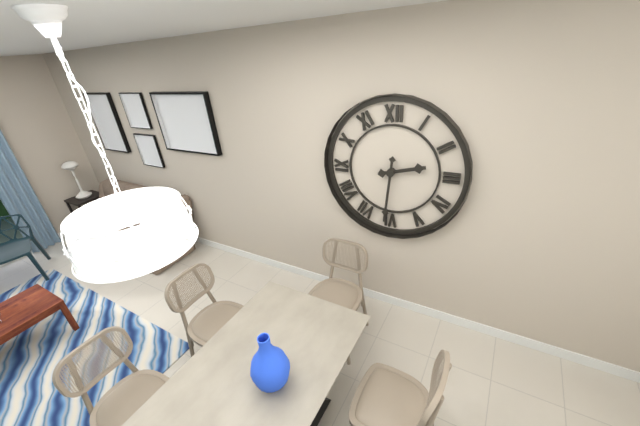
2:31
